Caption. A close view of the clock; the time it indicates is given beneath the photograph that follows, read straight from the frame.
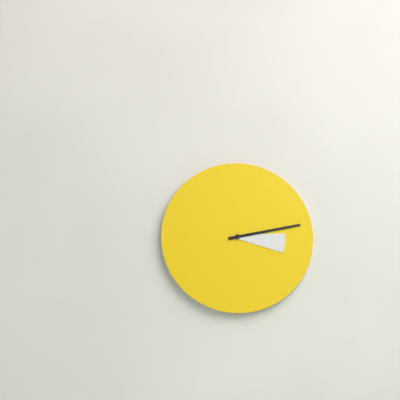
3:13
